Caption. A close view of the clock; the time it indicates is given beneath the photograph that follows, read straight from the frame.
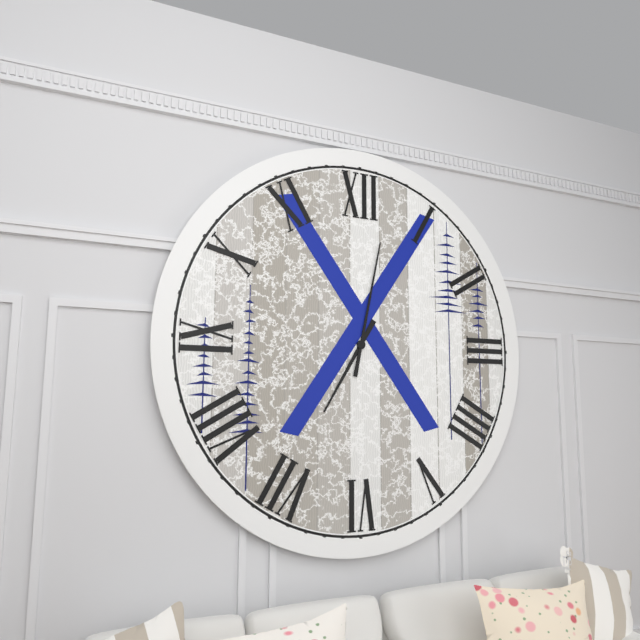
7:02
